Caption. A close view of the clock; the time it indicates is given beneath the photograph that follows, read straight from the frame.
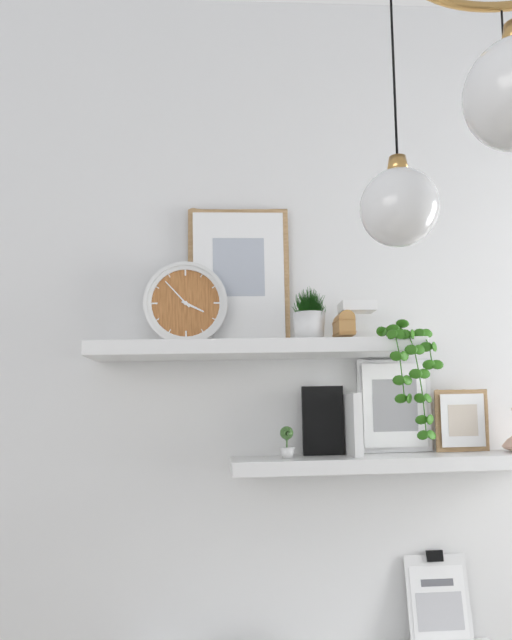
3:53
